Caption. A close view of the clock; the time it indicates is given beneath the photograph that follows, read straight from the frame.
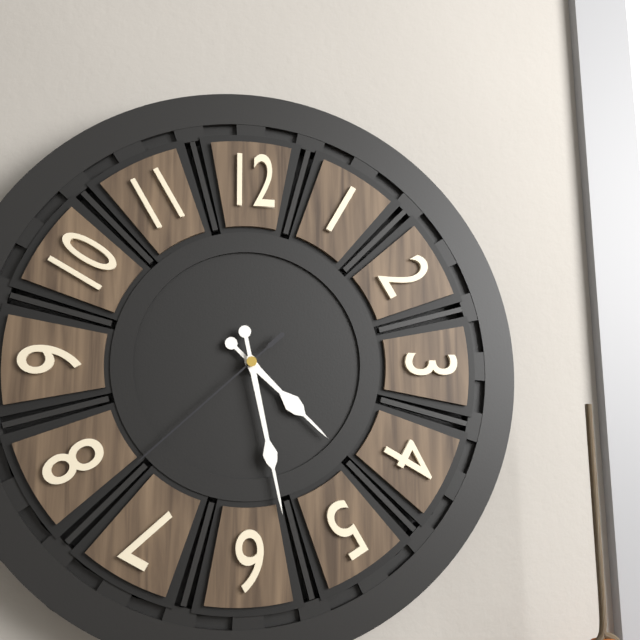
4:28:38
